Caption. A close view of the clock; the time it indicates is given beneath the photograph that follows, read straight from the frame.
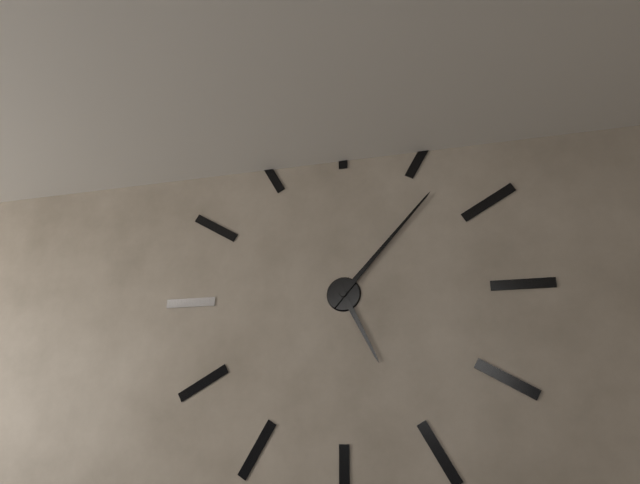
5:07
